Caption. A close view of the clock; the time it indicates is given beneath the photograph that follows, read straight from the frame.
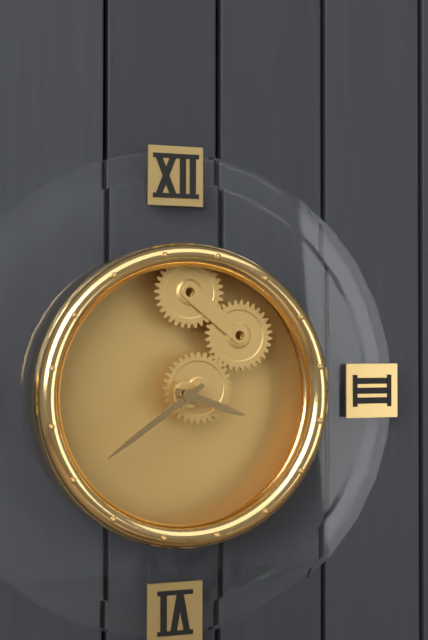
3:39
